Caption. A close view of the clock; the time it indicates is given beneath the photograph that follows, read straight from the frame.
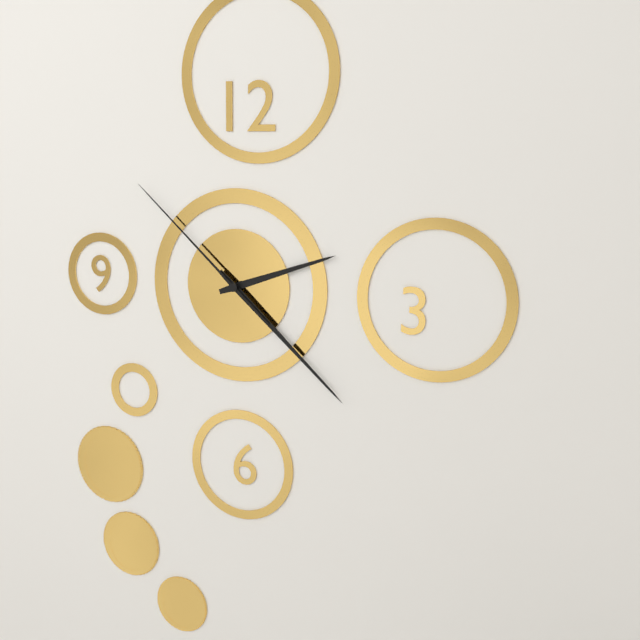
2:22:52
